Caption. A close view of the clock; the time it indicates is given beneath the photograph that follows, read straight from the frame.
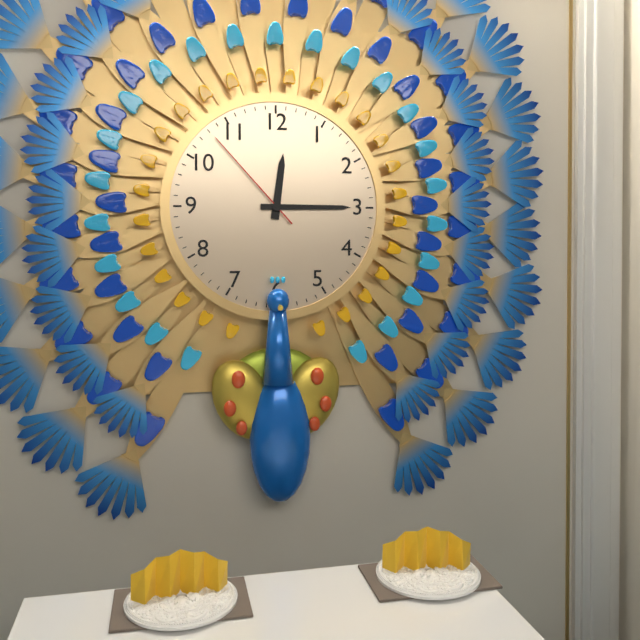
12:15:53
